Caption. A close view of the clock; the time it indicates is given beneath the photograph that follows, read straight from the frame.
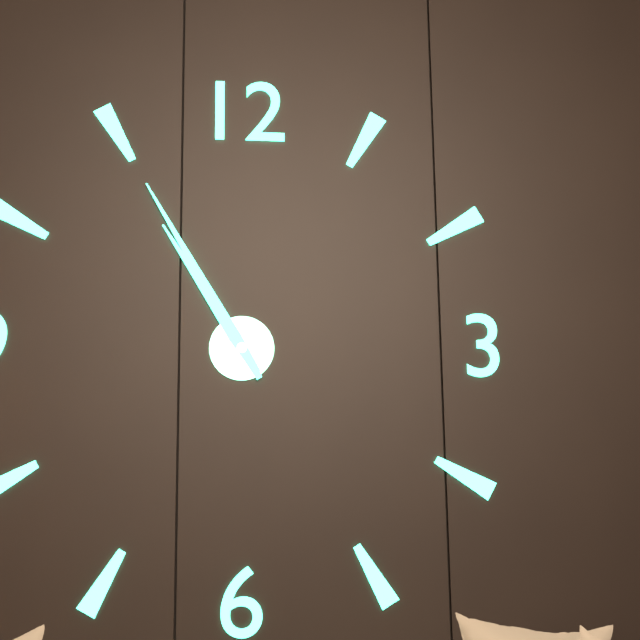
10:55
